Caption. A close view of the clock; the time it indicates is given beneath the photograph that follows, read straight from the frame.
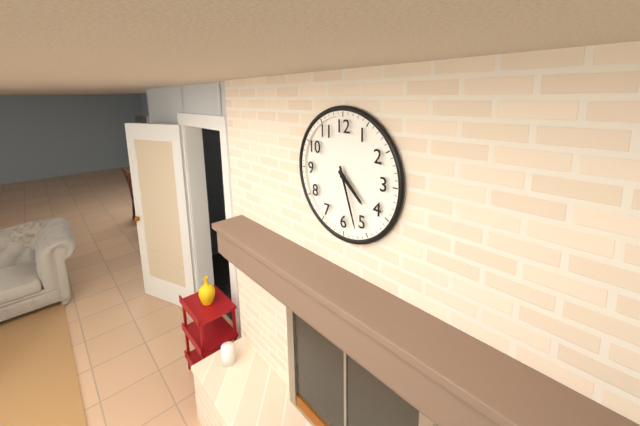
4:27
